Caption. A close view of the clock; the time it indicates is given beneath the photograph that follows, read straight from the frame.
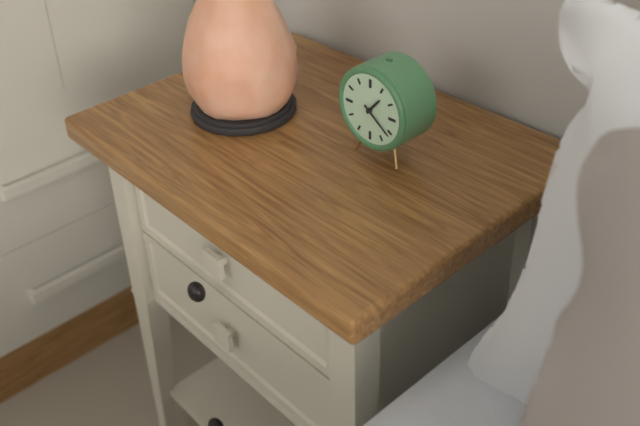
1:21
